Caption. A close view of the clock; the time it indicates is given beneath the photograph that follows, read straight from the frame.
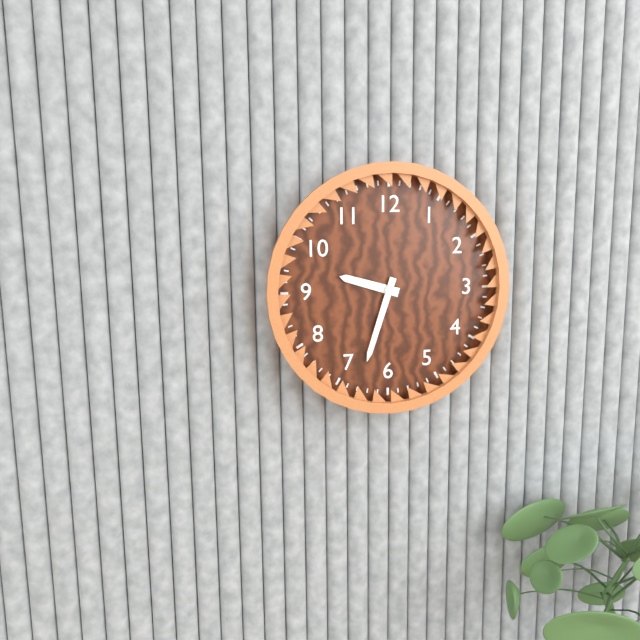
9:33
